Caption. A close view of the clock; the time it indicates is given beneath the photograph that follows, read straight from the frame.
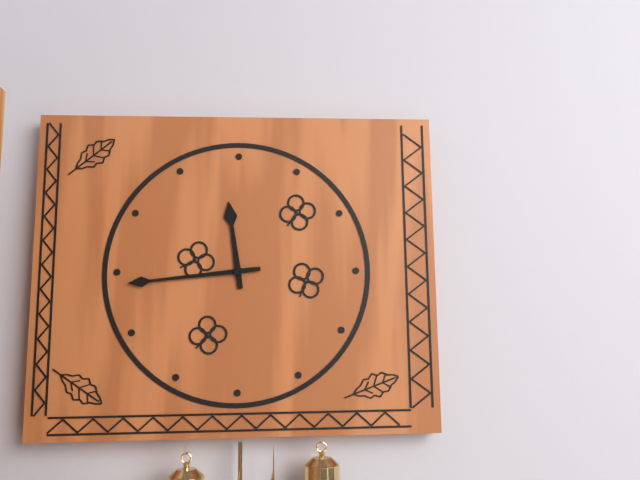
11:44
